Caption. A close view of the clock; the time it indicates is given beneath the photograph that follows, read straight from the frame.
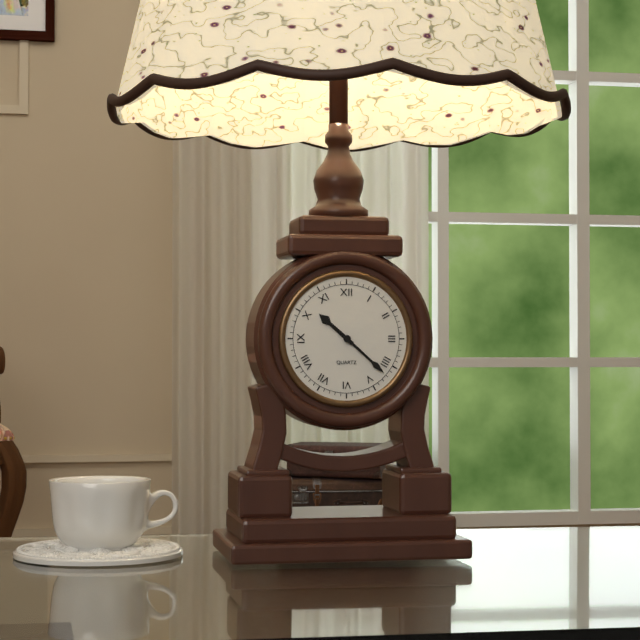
10:22
